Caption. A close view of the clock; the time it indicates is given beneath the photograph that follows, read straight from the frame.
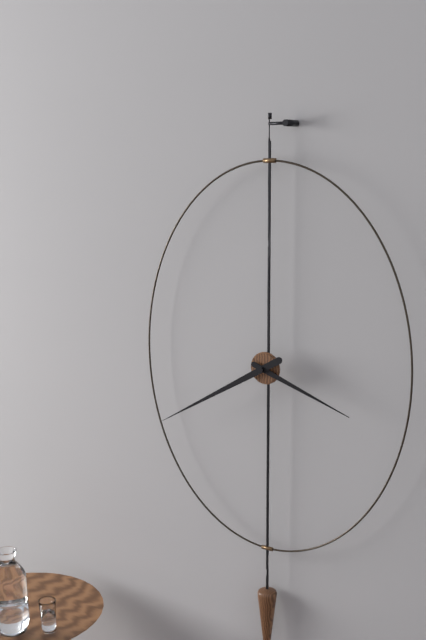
3:40
